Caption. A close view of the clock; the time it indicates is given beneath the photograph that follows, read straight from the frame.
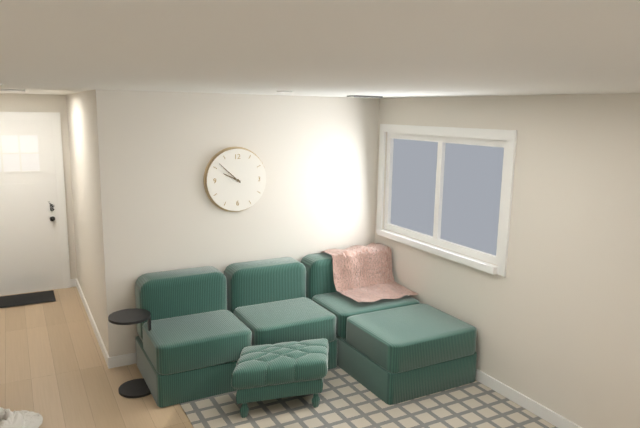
9:52
